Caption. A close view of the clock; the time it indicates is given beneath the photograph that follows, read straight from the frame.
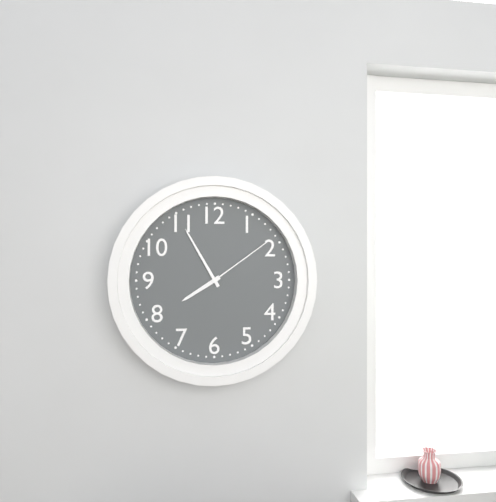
7:55:09
